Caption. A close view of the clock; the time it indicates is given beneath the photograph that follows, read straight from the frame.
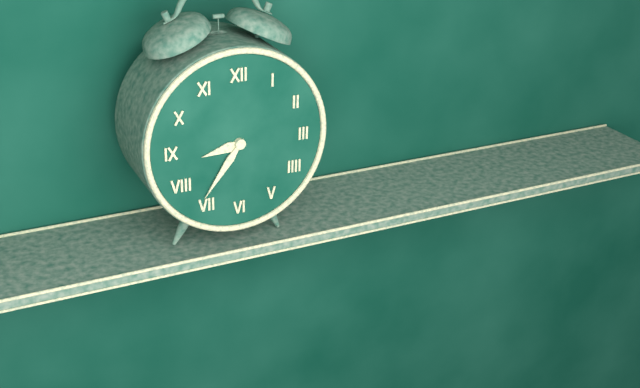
8:36
